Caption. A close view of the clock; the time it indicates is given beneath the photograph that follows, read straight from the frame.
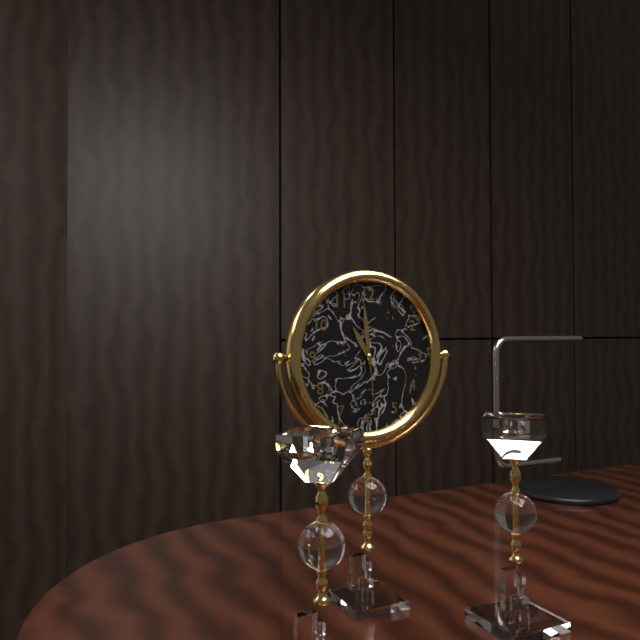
10:59:29
